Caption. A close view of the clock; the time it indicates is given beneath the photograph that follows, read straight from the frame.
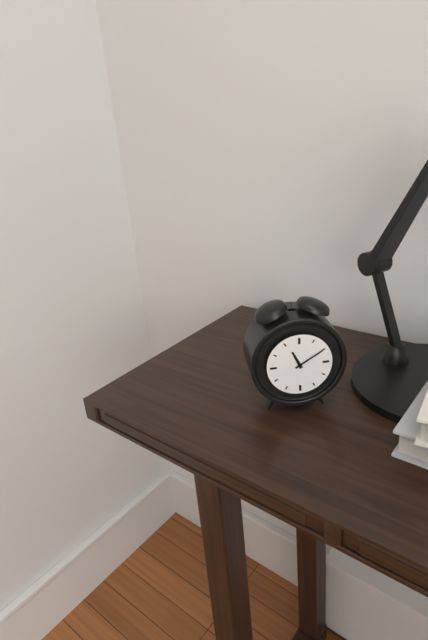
11:10
